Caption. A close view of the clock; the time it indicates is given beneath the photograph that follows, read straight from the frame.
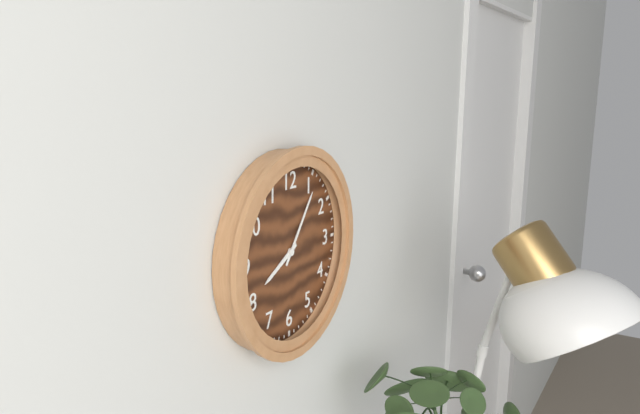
8:06
